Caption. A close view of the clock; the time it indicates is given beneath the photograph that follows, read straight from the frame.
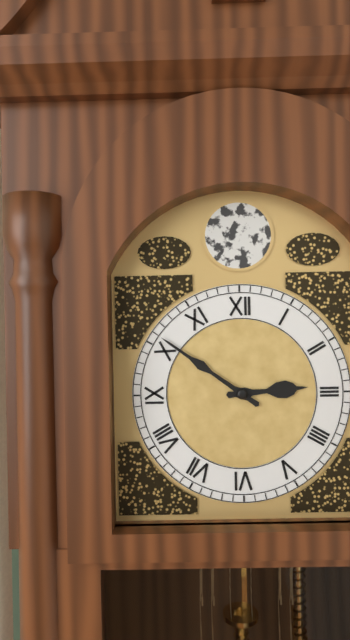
2:51
